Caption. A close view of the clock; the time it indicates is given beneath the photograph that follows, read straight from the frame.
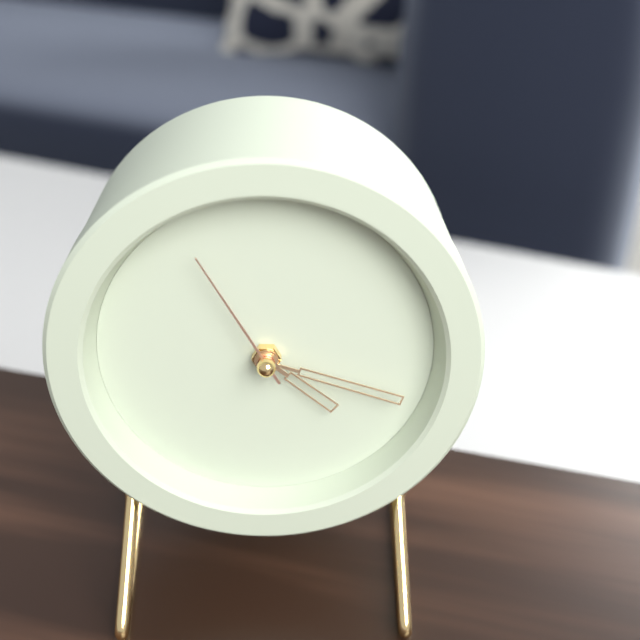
4:18:55
